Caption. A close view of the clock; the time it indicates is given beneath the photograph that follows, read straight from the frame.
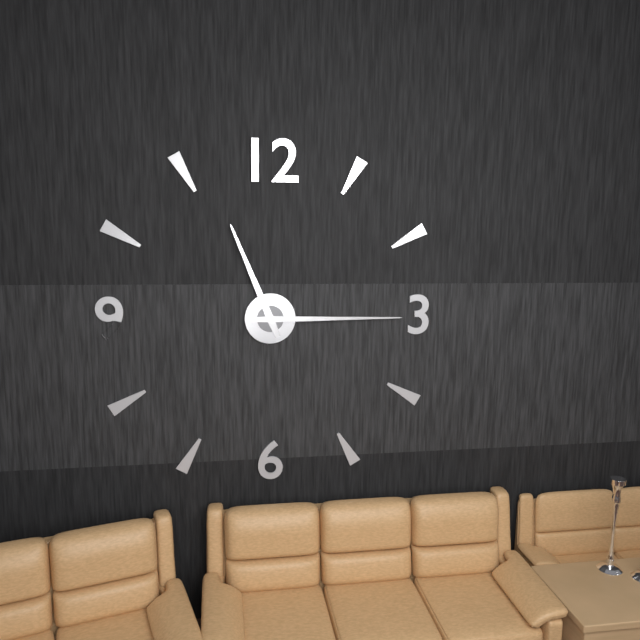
11:15
